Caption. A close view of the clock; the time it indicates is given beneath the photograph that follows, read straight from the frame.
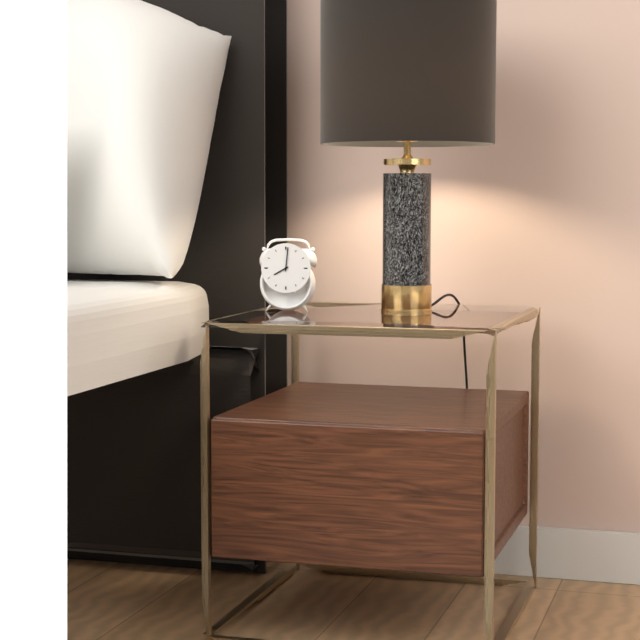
8:01
